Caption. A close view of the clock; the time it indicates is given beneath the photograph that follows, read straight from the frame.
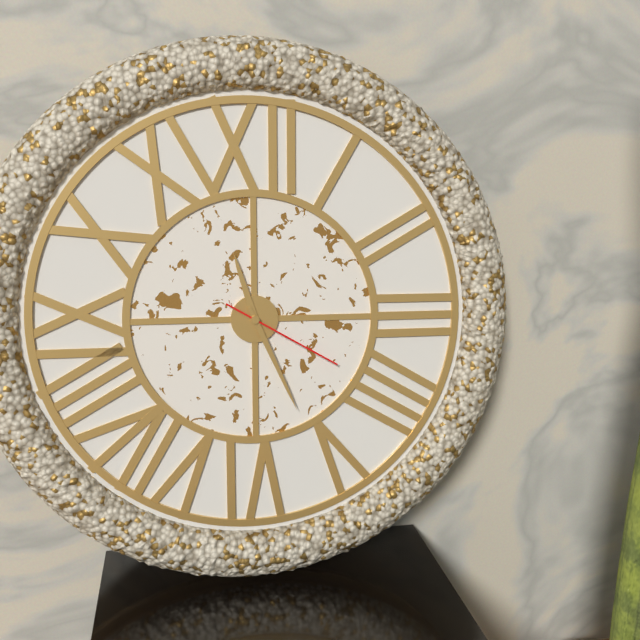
11:26:20
